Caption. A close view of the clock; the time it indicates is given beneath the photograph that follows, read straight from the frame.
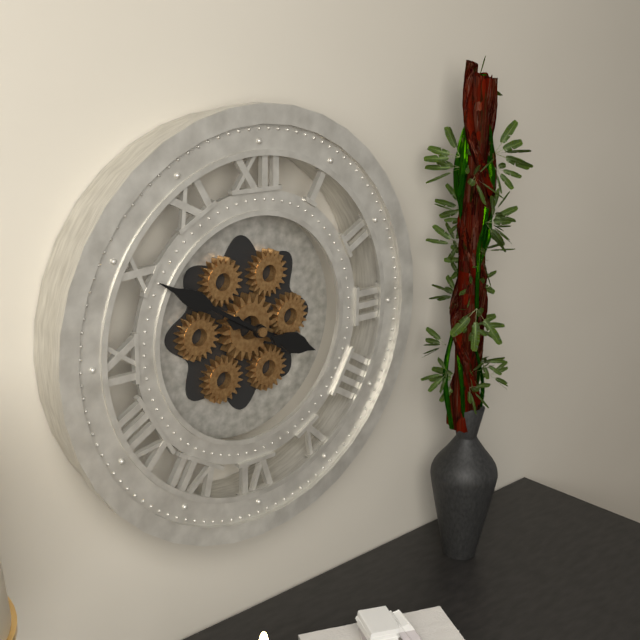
3:50
